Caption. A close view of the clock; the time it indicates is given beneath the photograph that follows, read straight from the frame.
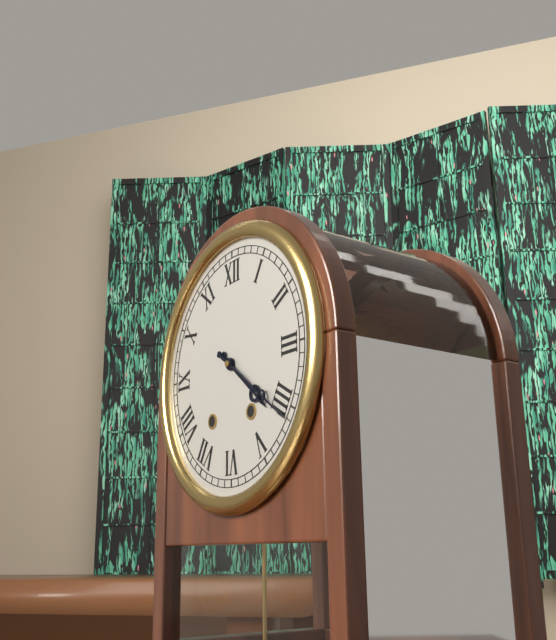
4:21
